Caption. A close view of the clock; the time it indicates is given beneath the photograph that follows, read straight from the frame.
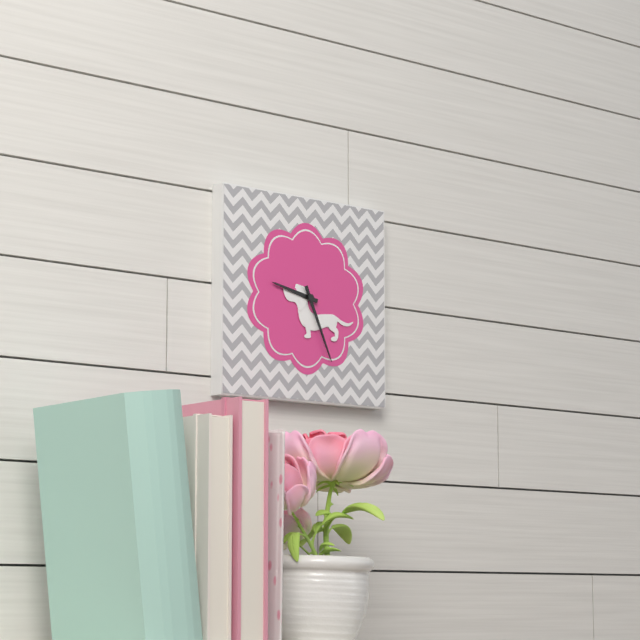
9:26
